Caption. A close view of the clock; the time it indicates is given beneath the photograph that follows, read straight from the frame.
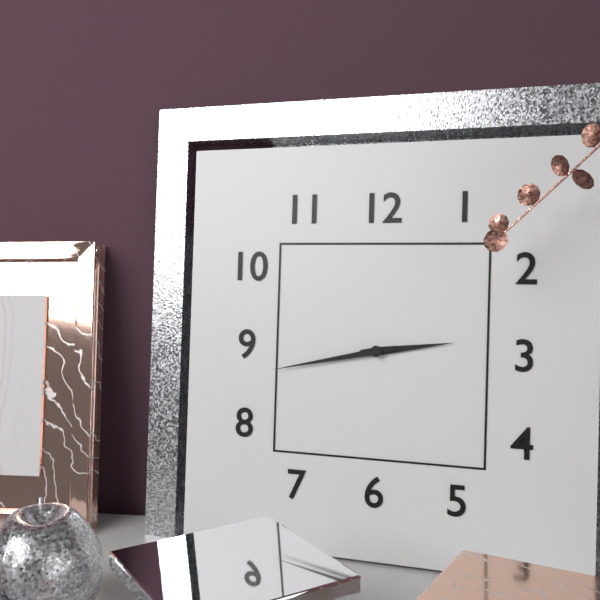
2:43
